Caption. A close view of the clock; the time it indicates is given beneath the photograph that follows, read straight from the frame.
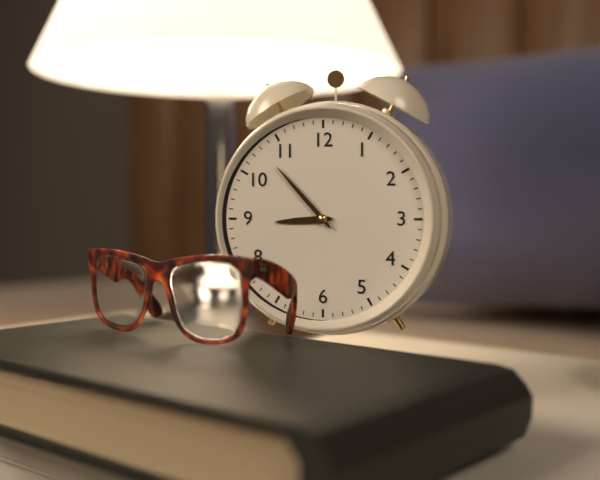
8:53
